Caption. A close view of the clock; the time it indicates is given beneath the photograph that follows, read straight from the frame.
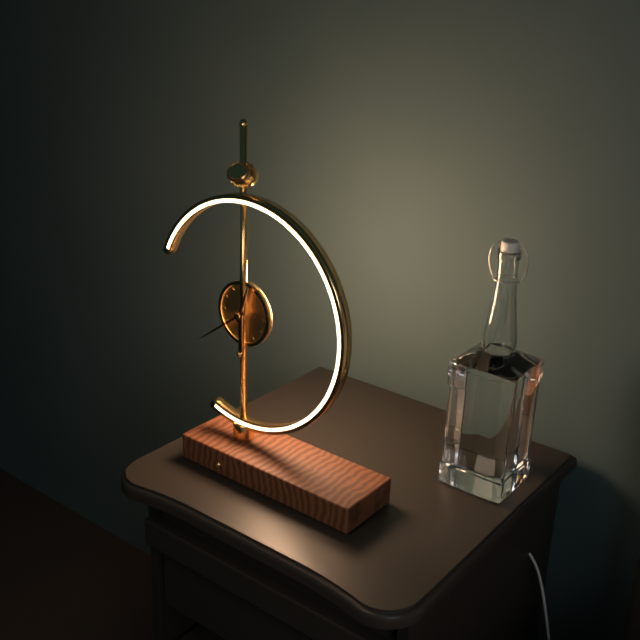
12:39
